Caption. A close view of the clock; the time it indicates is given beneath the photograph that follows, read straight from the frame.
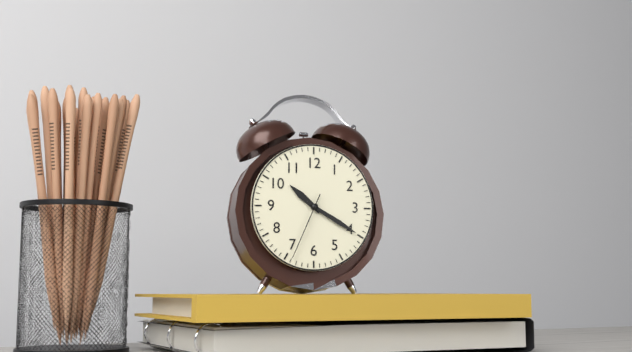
10:20:34
